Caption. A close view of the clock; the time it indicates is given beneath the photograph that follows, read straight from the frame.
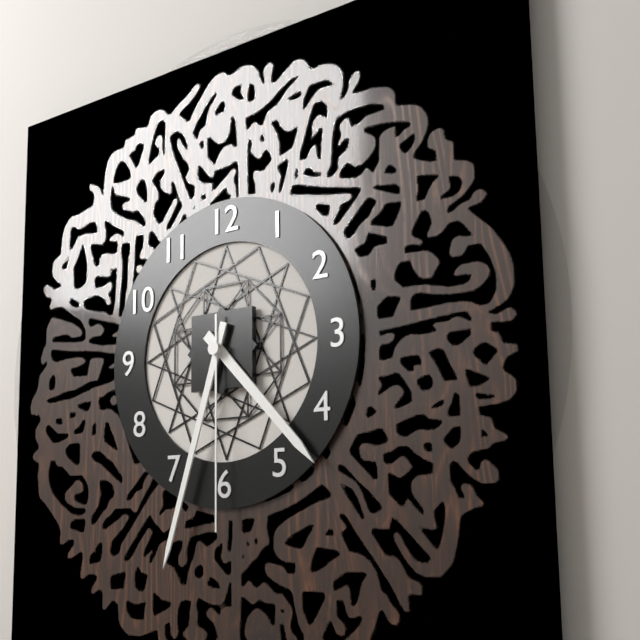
4:33:30
